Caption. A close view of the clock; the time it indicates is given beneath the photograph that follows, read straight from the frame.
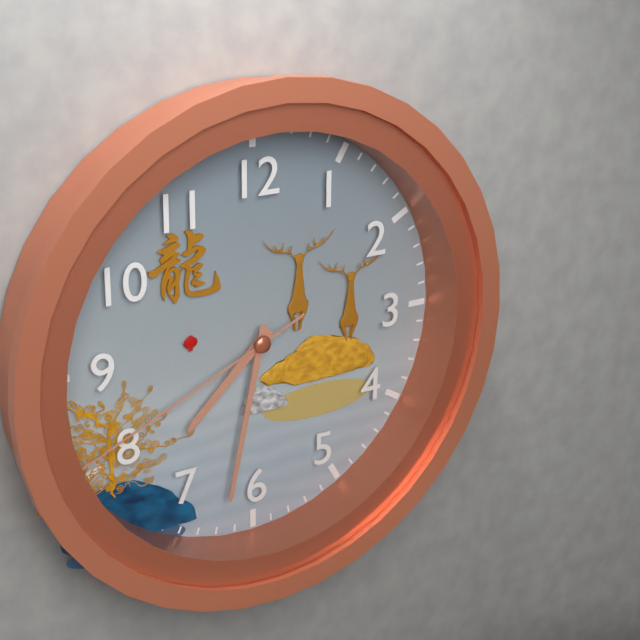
7:32:41
